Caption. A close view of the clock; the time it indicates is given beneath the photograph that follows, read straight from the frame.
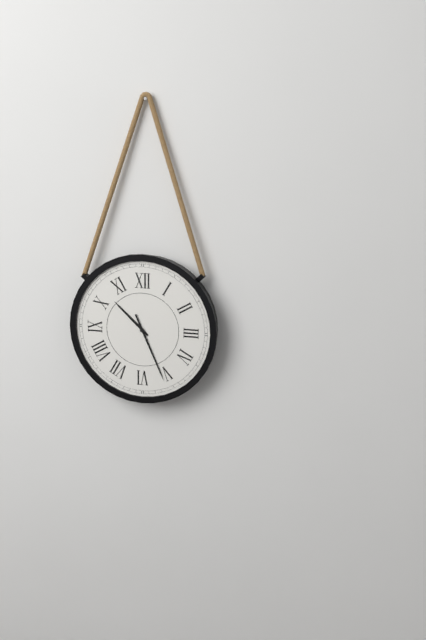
10:26
